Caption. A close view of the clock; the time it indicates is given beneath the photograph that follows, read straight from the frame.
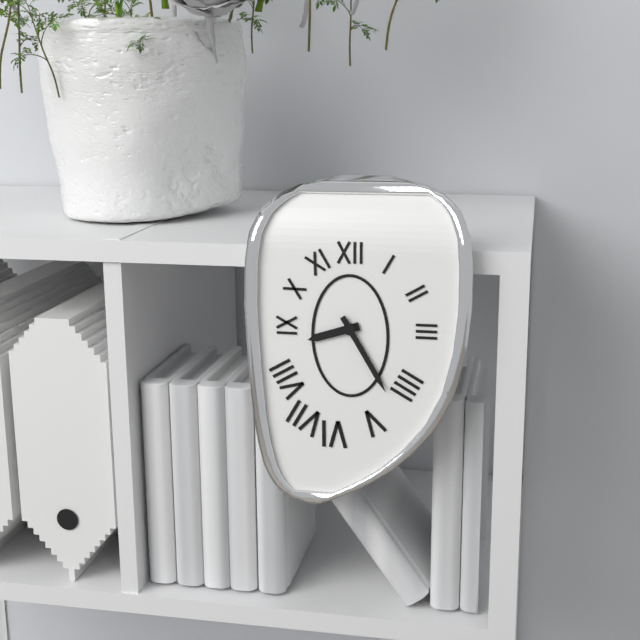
8:25
